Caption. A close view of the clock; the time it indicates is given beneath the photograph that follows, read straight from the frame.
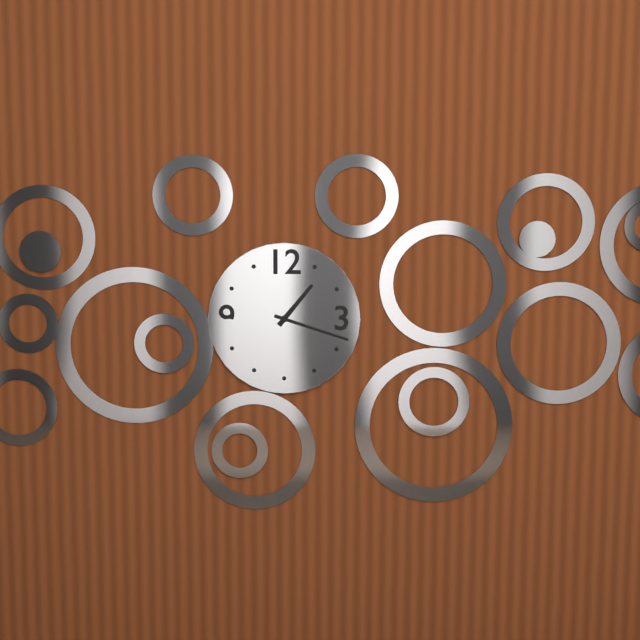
1:18
